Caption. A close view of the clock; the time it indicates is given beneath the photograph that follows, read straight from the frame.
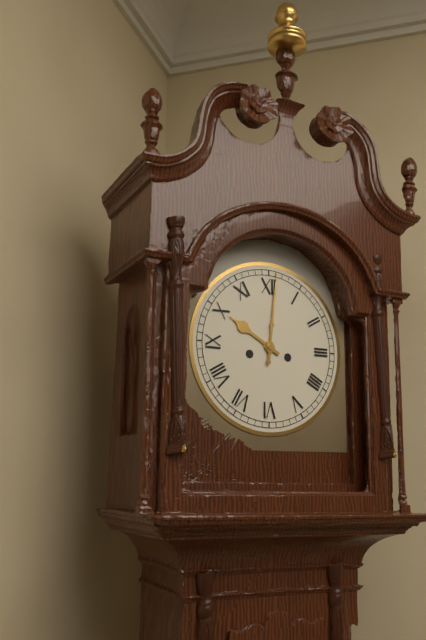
10:01
